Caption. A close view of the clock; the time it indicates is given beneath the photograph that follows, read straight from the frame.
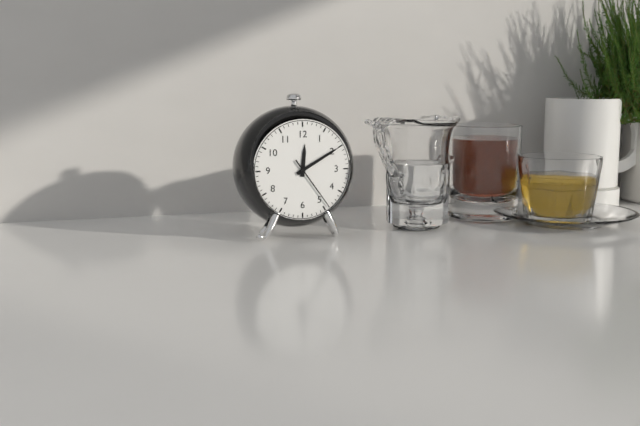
12:10:24
